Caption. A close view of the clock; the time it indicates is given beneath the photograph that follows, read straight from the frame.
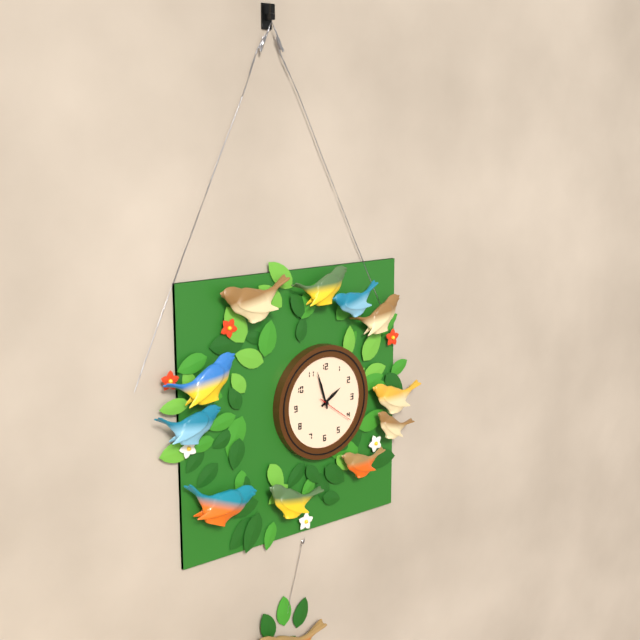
1:57
